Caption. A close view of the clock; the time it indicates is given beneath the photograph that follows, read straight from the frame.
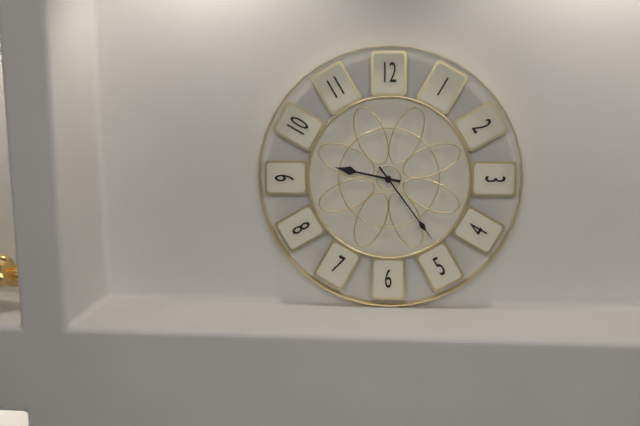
9:24
